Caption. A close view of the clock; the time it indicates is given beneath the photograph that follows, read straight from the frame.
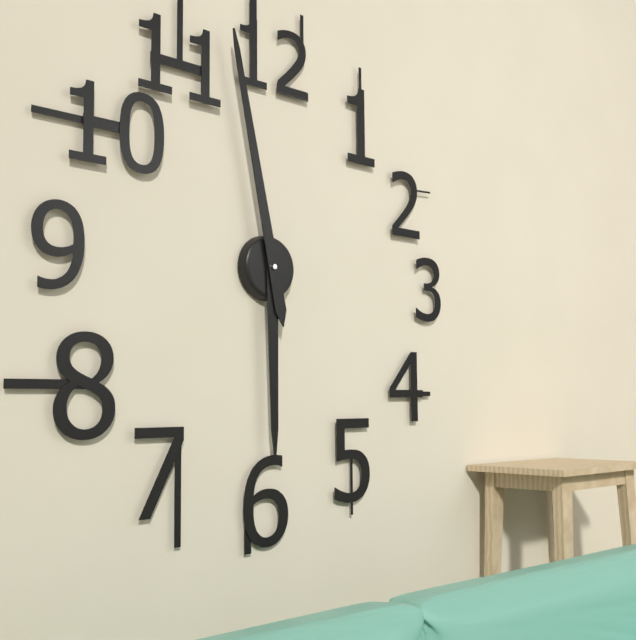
5:58
